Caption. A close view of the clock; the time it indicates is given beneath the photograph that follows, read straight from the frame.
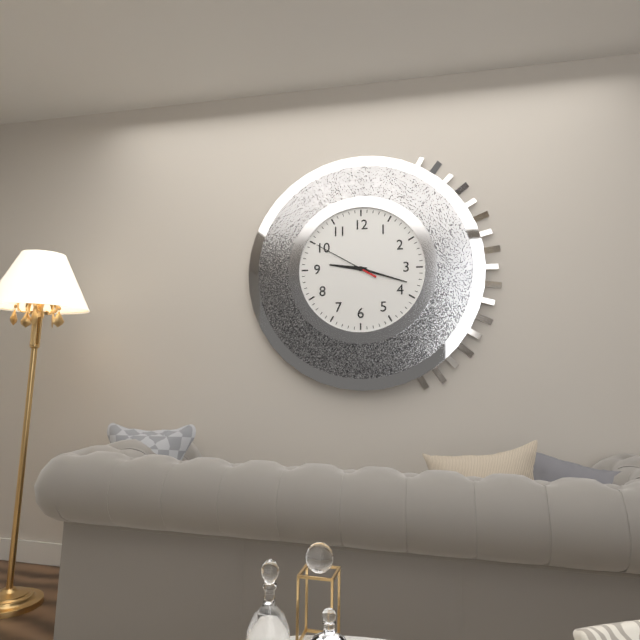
9:18:50
